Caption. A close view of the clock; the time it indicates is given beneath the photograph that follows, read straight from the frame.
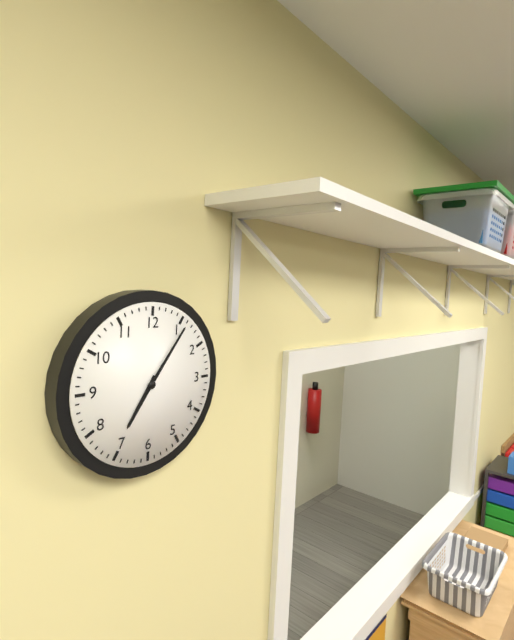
7:06
